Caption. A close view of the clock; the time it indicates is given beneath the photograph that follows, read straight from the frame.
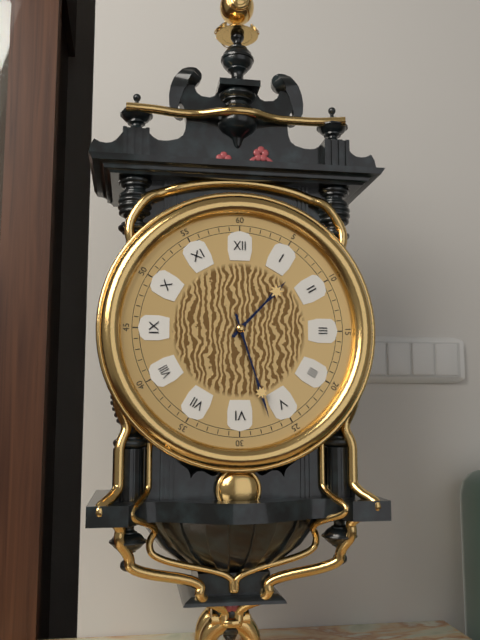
1:27
